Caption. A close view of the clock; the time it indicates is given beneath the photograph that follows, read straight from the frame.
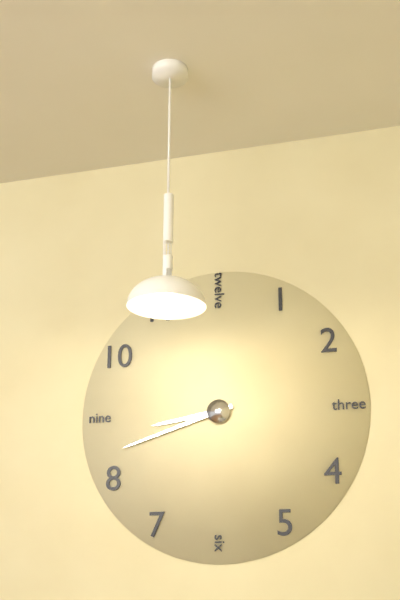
8:42
